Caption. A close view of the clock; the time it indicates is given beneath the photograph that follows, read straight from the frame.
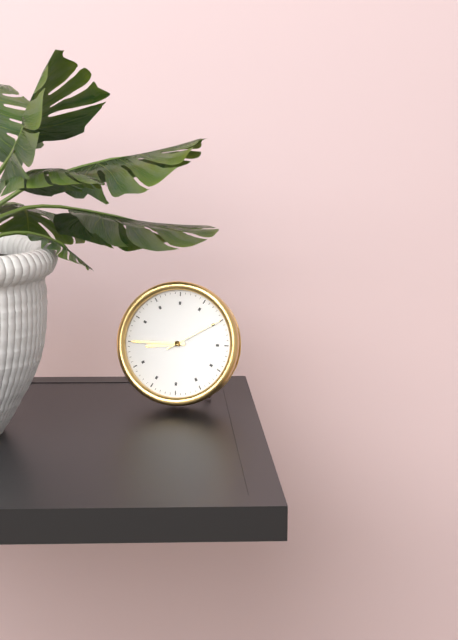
8:45:10
